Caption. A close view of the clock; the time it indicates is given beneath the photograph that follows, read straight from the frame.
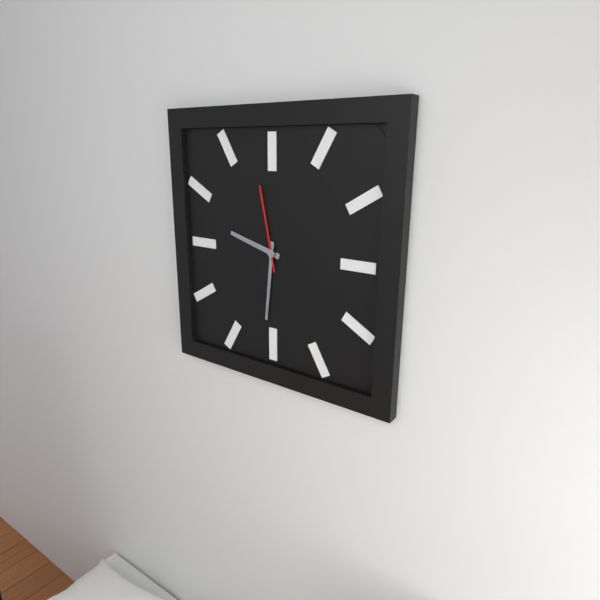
9:31:58
